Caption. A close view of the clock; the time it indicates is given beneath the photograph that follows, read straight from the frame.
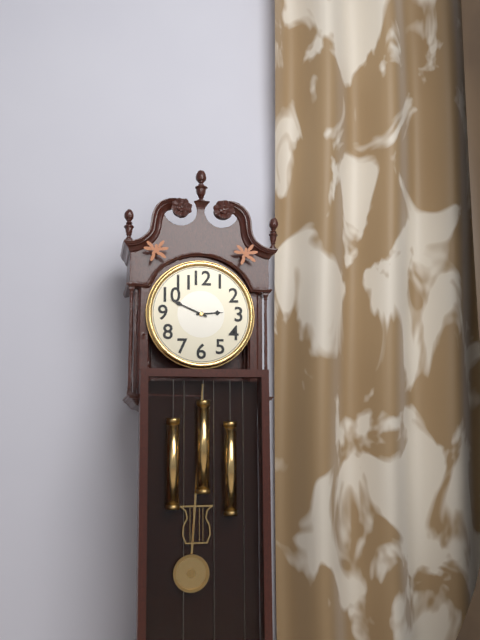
2:49
